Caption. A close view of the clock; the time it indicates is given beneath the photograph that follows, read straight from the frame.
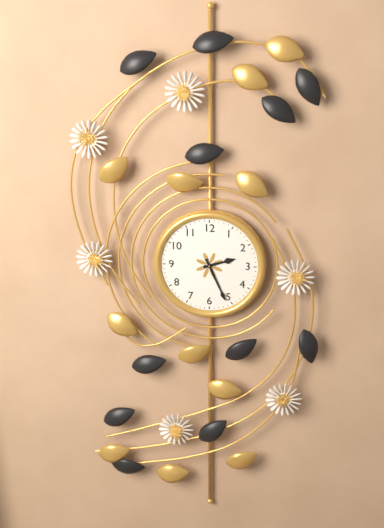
2:26
